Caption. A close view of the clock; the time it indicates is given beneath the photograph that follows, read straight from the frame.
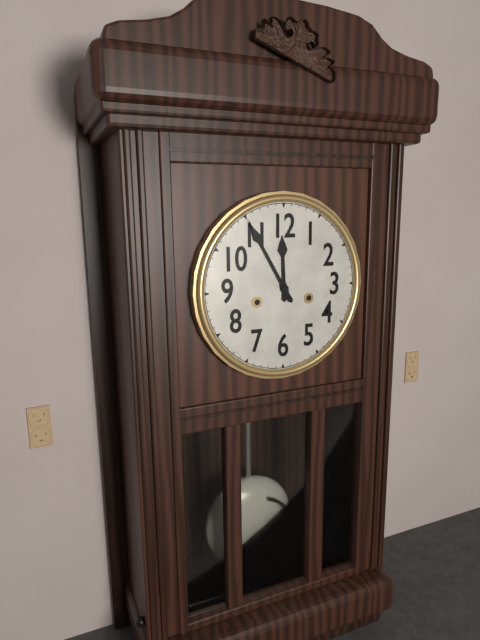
11:55
